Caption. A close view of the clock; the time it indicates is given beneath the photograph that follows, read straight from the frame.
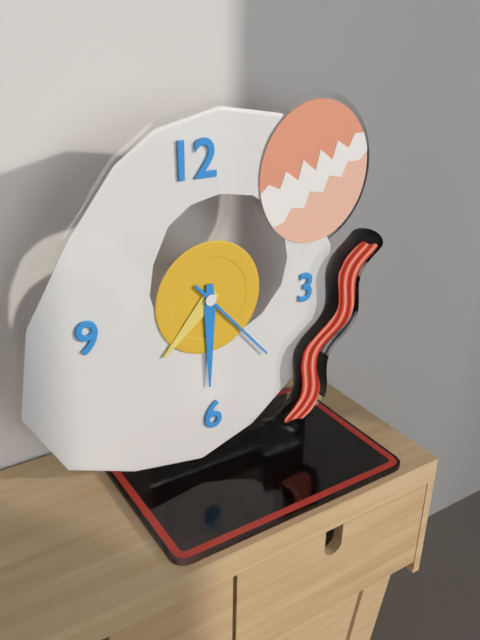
7:30:23
